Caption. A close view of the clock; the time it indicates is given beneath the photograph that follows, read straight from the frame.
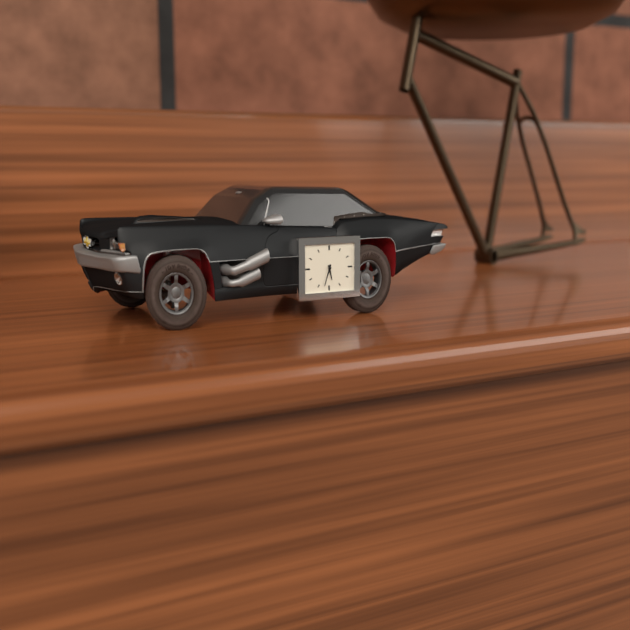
5:33
